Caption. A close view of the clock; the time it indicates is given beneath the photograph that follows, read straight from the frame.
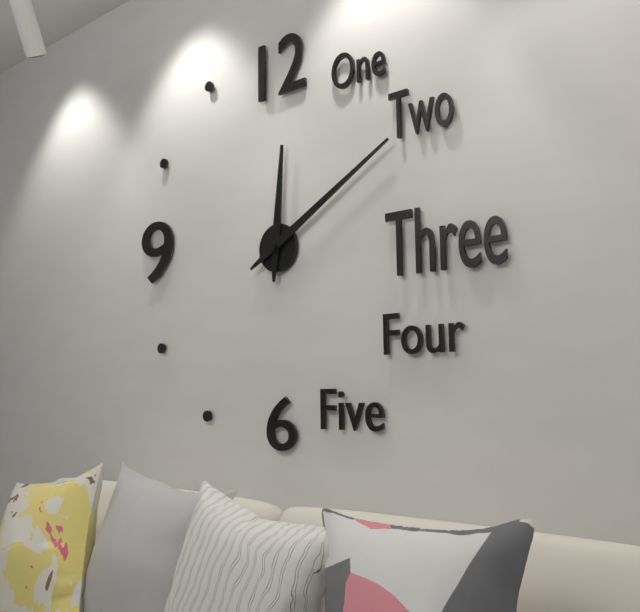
12:10
